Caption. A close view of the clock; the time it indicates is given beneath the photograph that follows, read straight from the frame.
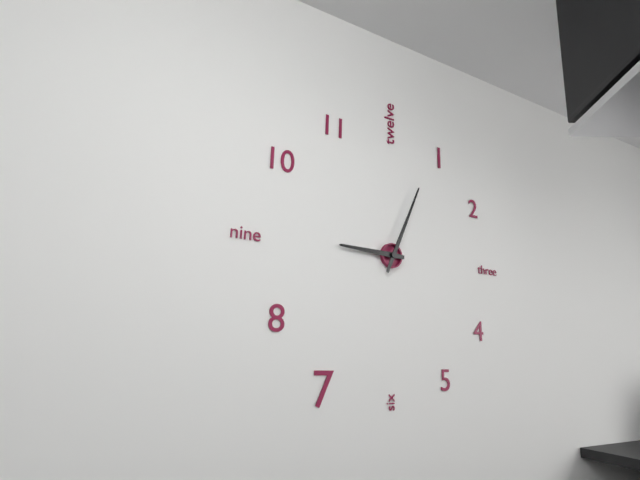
9:04
